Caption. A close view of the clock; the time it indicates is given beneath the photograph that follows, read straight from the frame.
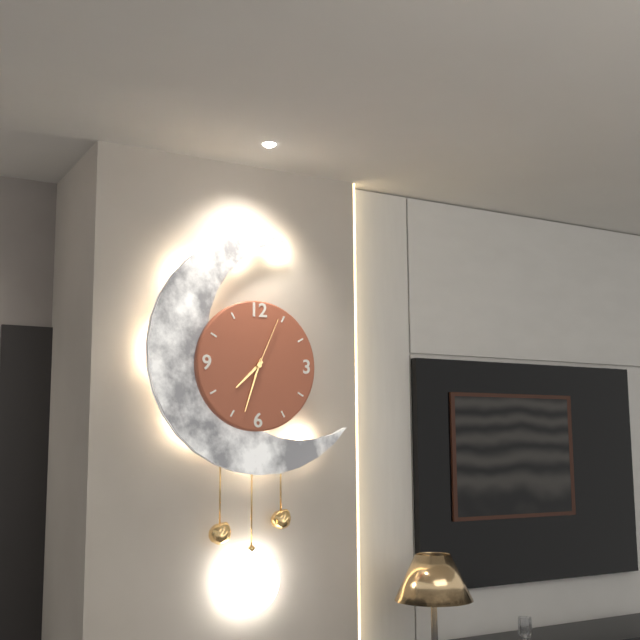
7:33:04
